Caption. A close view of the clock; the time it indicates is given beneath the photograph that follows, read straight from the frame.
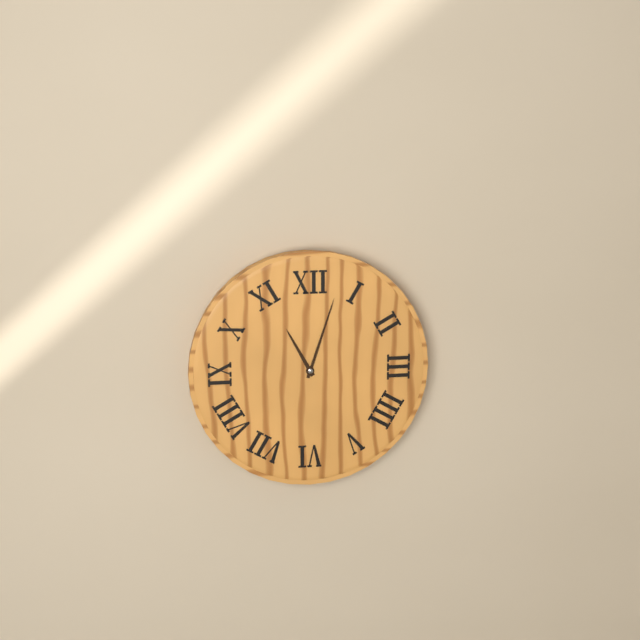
11:03
